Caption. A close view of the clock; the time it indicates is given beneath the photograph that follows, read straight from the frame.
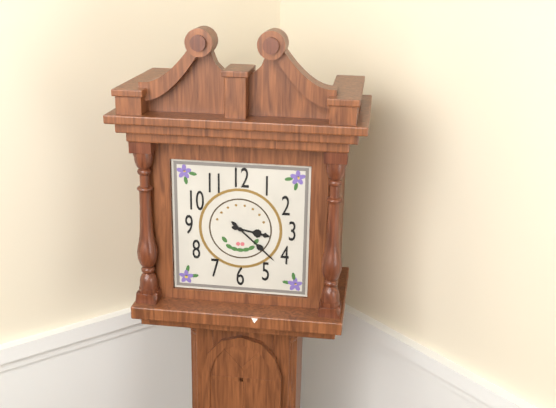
3:22
